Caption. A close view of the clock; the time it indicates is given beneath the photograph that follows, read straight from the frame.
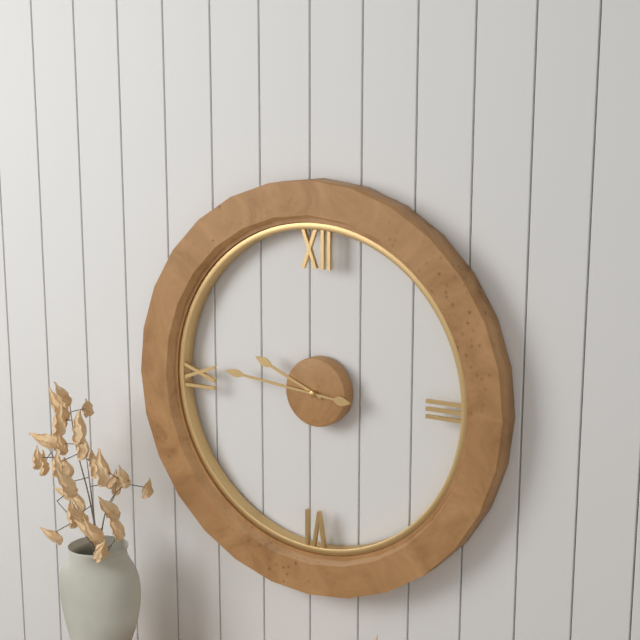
9:46
